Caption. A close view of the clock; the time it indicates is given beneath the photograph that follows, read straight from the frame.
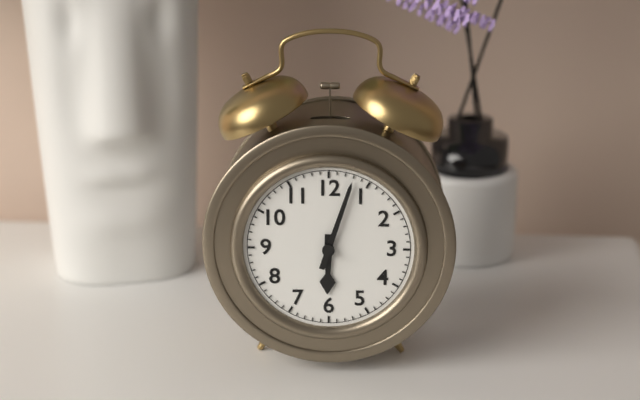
6:03
